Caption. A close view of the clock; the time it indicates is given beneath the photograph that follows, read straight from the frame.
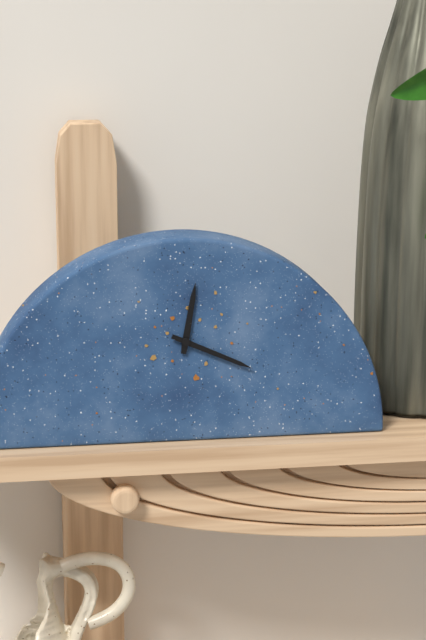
12:19
